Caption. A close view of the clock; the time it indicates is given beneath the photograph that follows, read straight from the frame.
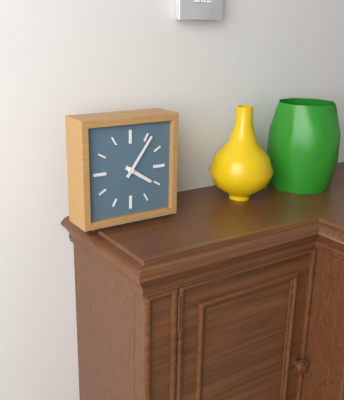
4:06
